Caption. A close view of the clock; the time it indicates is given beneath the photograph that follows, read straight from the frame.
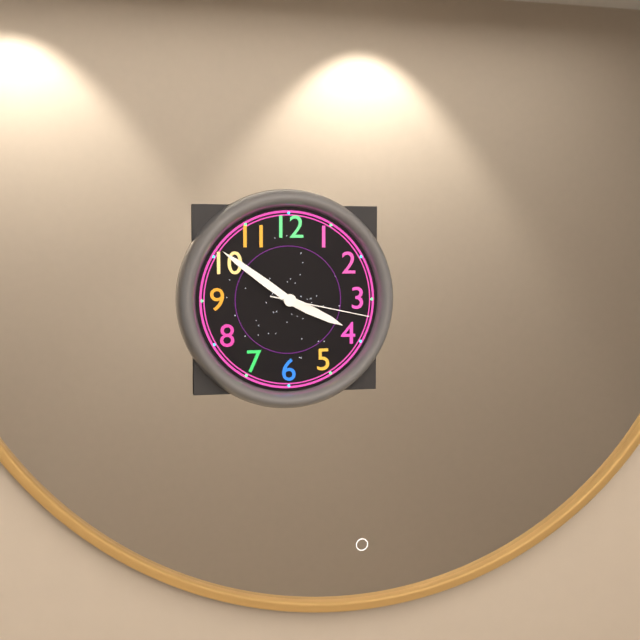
3:51:17
